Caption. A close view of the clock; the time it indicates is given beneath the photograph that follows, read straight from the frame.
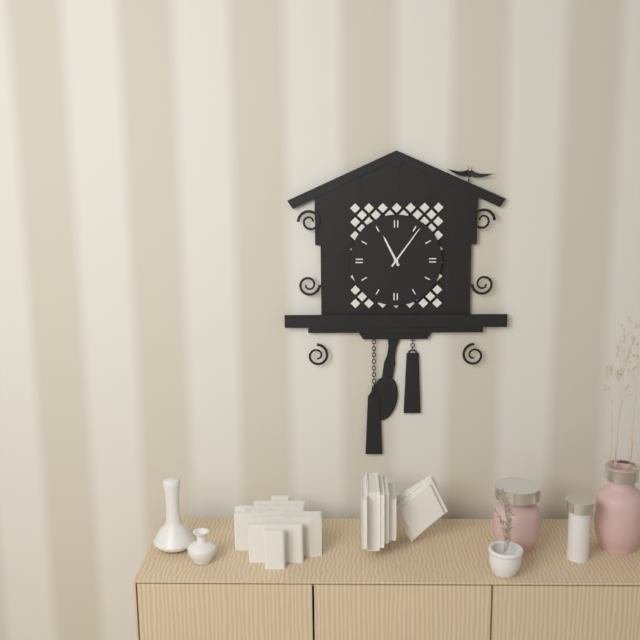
11:06
